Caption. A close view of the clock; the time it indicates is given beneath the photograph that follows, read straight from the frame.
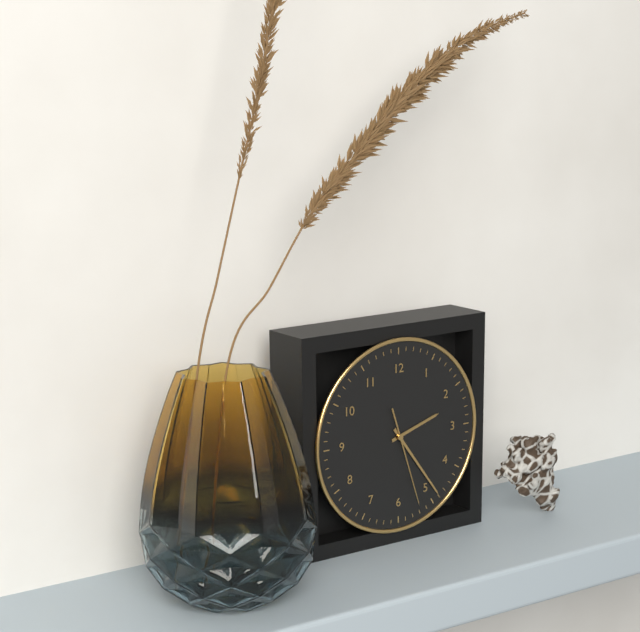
2:24:27
